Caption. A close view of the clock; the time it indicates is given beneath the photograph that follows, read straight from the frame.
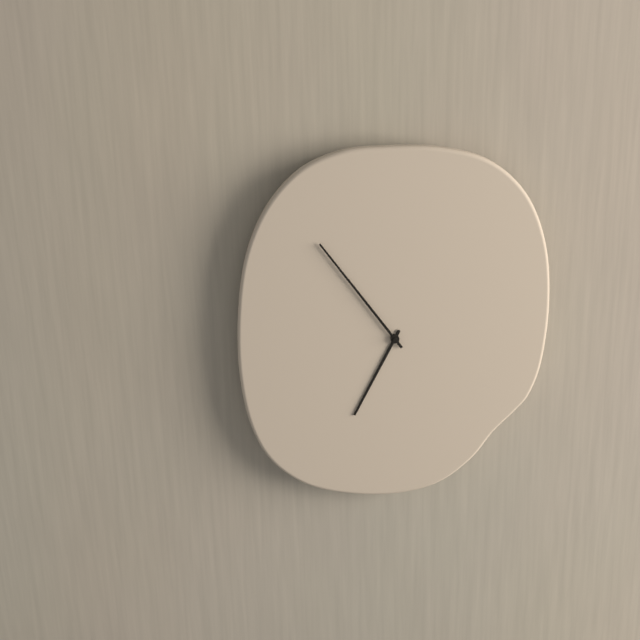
6:54
